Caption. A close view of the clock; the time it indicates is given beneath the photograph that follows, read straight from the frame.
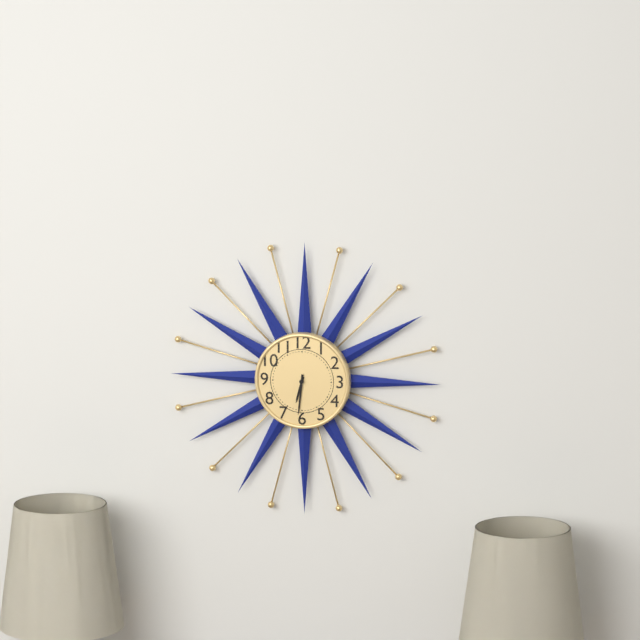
6:31
